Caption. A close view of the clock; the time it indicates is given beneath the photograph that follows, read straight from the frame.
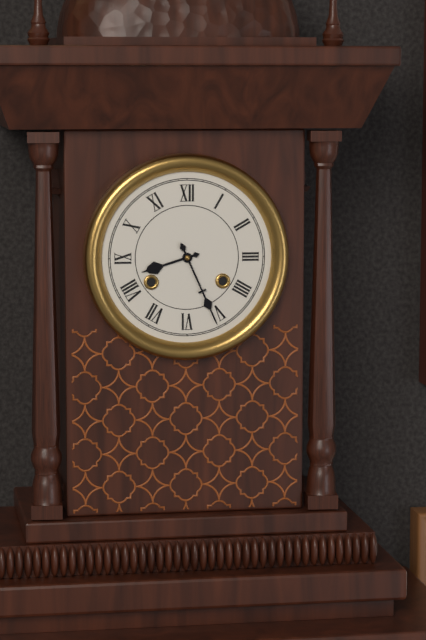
8:26
